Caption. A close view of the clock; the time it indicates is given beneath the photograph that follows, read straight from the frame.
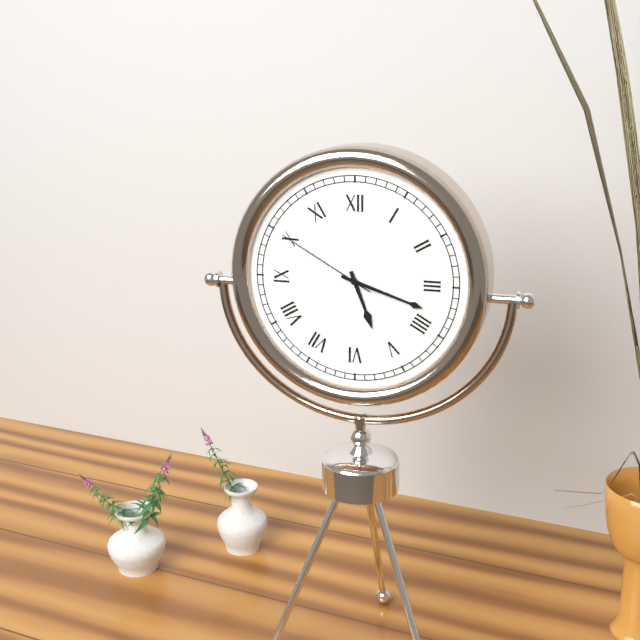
5:18:50
